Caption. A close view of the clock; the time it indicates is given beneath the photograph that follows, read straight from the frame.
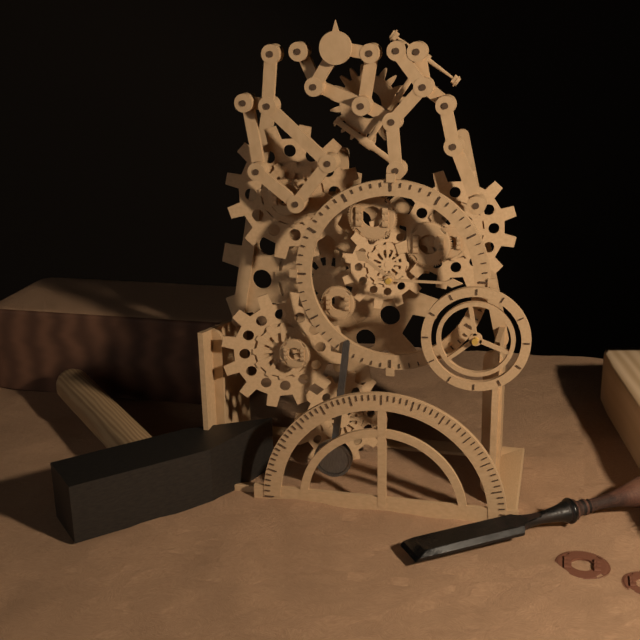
10:15
